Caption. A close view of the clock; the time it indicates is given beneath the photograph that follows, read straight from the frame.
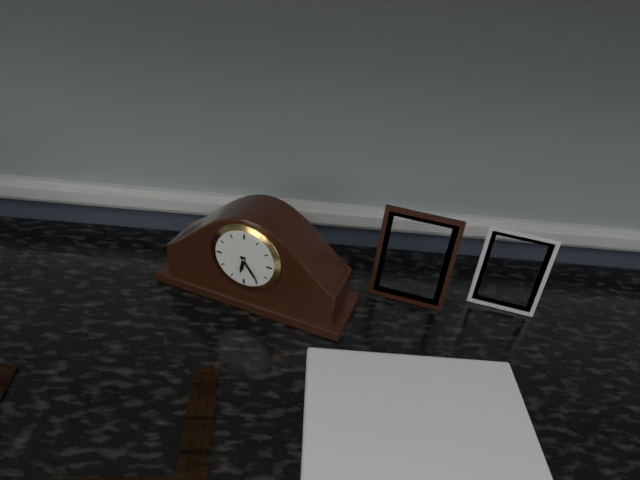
6:24
